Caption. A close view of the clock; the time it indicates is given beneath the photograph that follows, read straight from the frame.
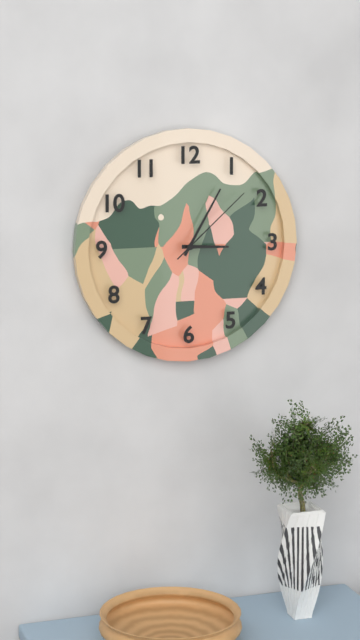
3:05:08
